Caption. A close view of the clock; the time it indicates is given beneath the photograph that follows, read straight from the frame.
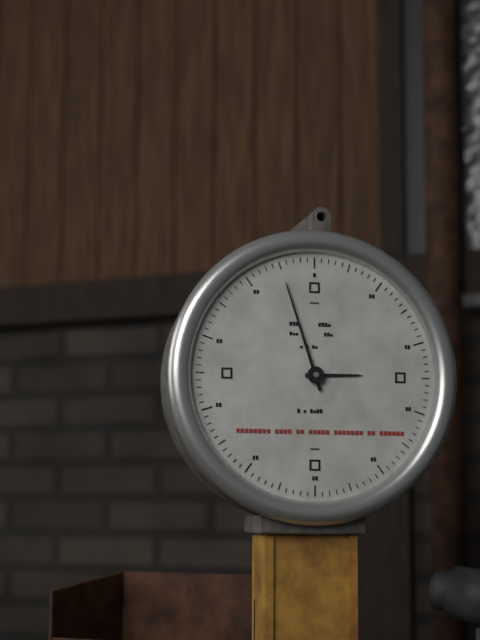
2:57
